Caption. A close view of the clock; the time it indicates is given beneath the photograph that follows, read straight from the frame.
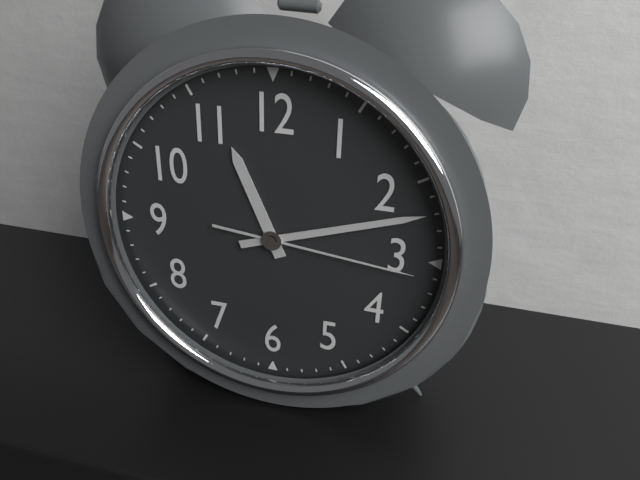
11:12:16
